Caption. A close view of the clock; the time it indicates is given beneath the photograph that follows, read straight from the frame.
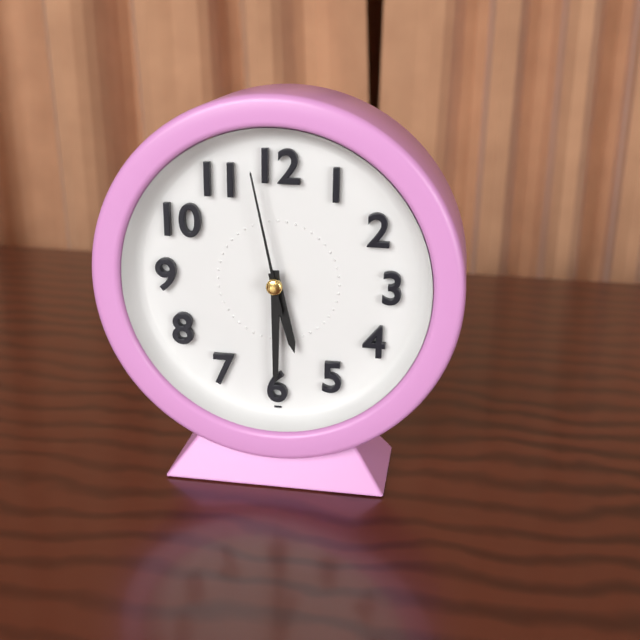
5:30:58
